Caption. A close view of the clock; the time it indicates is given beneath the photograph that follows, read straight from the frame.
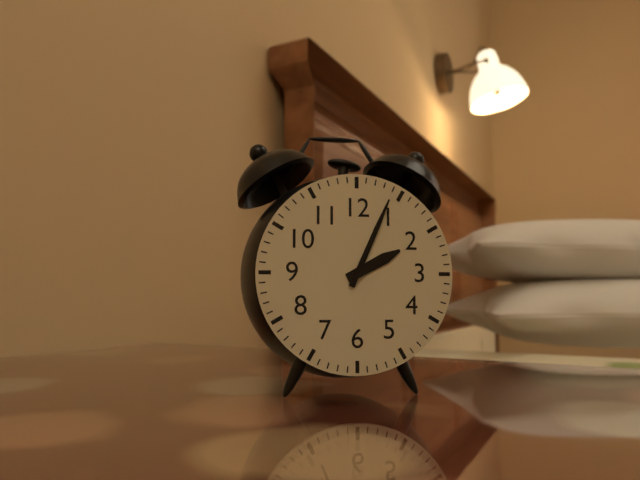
2:04
